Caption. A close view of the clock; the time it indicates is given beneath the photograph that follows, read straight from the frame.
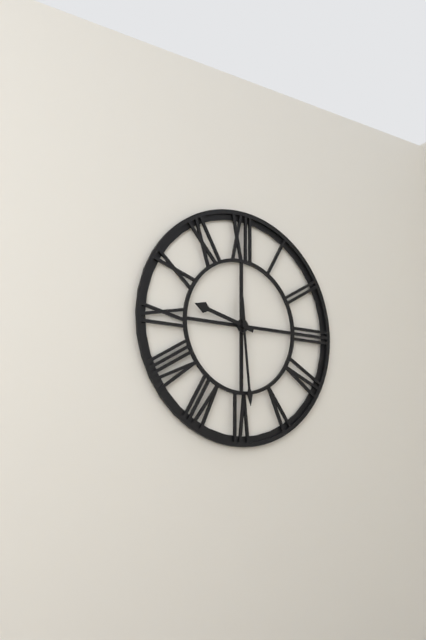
9:29
